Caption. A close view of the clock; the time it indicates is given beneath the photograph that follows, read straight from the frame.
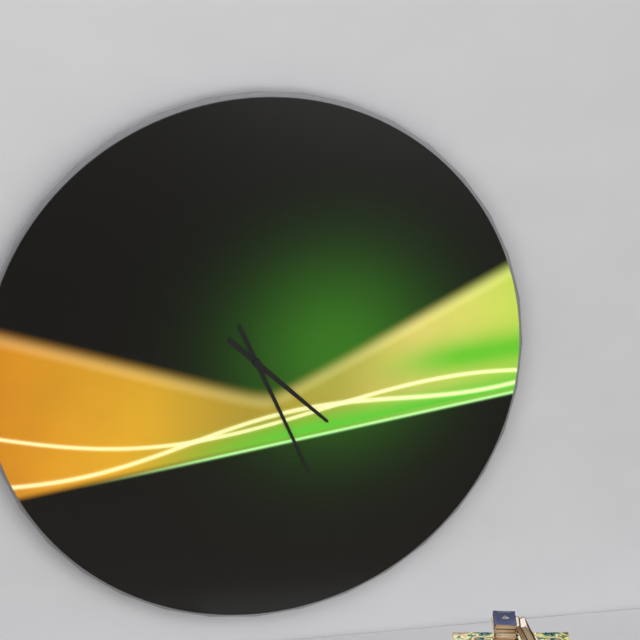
4:26
